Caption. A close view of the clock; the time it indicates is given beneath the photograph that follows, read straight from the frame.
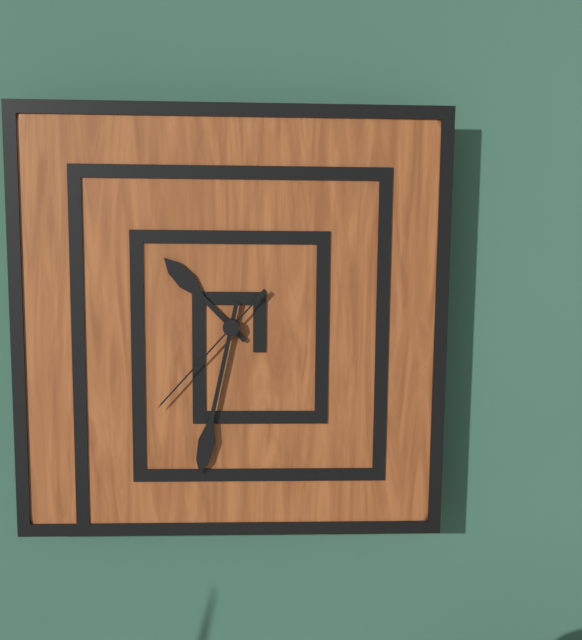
10:32:37
